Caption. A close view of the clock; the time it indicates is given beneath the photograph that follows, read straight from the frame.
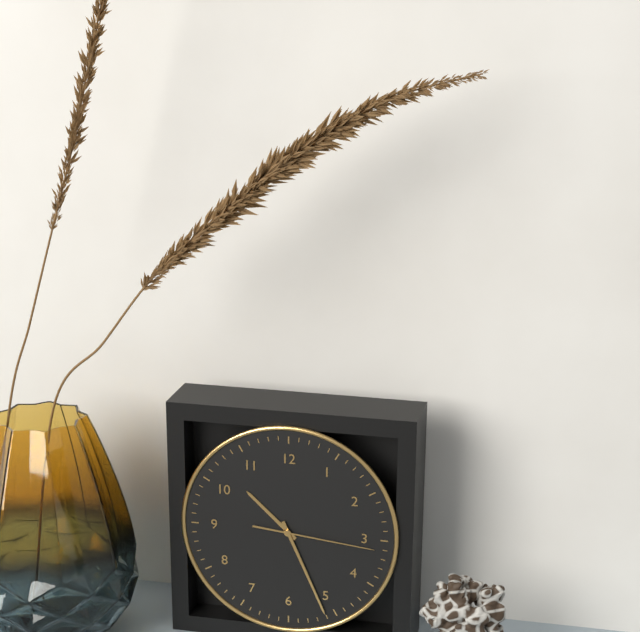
10:26:16
